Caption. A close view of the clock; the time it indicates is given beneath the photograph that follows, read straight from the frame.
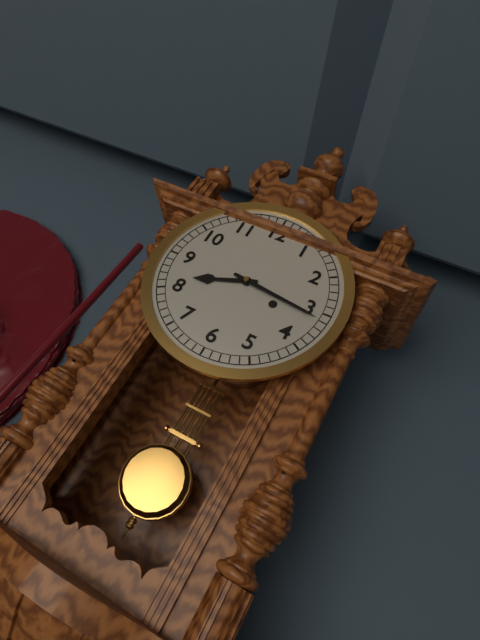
8:16
